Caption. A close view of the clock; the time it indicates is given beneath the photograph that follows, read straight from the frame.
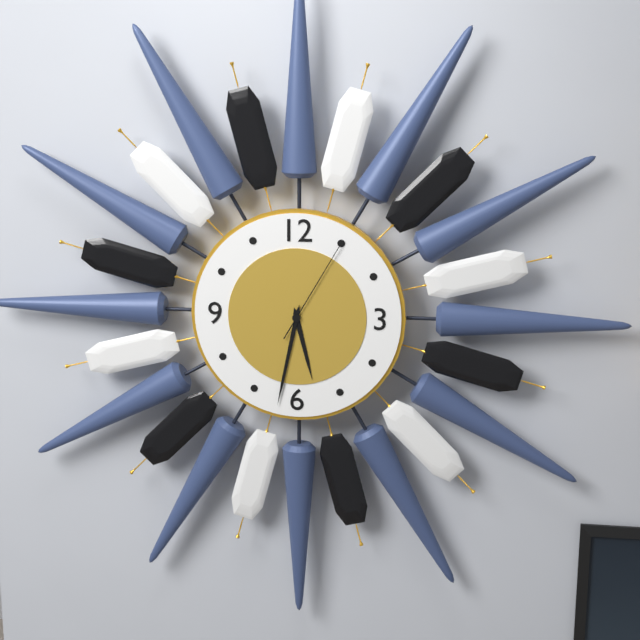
5:32:05
